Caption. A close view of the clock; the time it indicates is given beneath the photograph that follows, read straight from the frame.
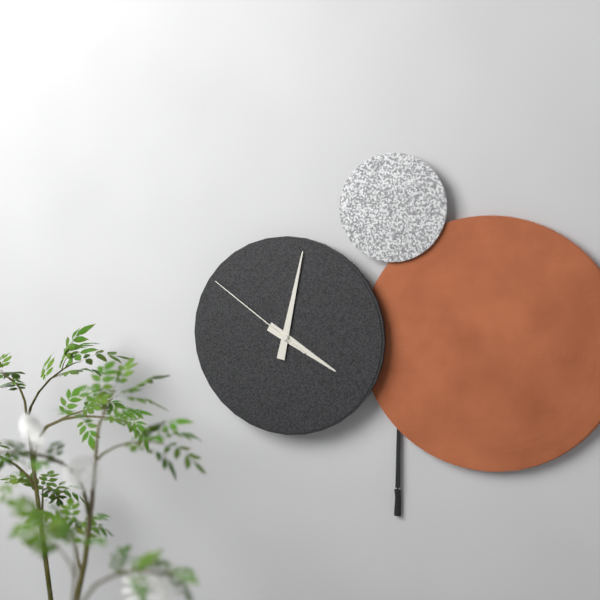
4:02:51
